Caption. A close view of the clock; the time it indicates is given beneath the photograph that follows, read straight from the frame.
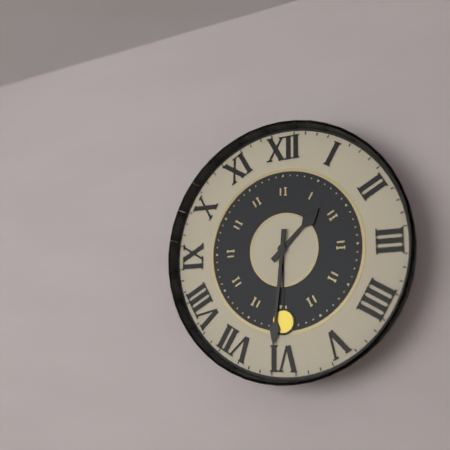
1:31
